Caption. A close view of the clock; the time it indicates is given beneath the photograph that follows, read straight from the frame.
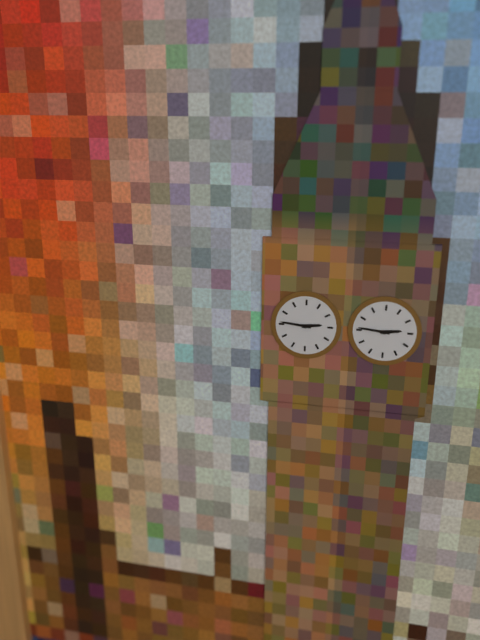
2:46
